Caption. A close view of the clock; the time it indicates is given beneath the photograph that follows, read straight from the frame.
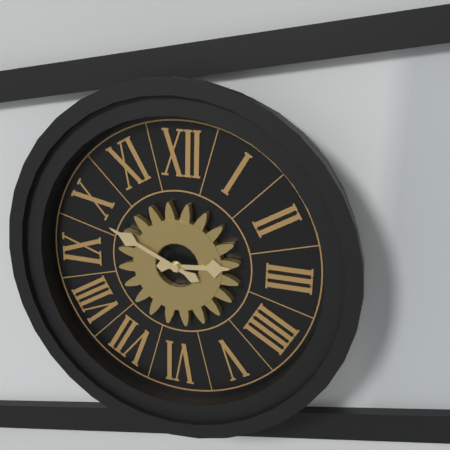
2:49
